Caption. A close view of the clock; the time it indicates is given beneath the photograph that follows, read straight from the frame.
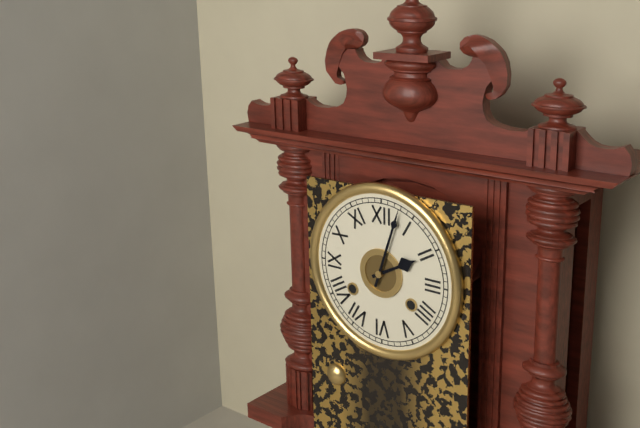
2:03
